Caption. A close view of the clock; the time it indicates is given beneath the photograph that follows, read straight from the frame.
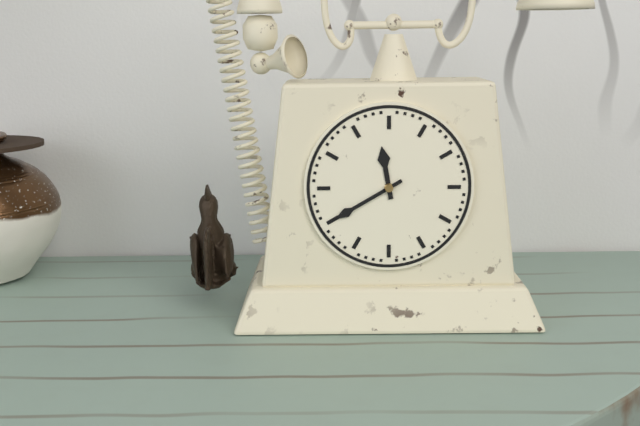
11:40
